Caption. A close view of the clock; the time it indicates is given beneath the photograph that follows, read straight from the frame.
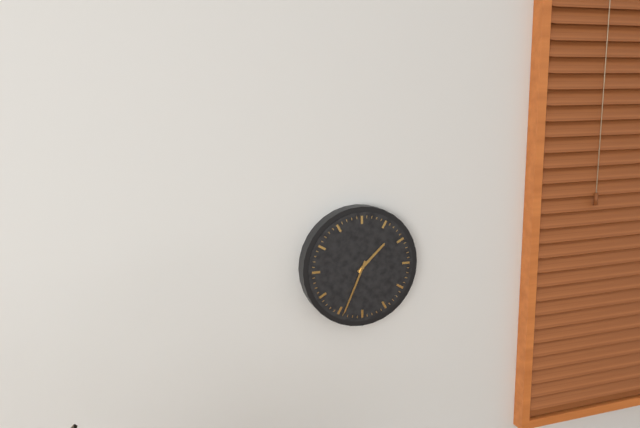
1:34
